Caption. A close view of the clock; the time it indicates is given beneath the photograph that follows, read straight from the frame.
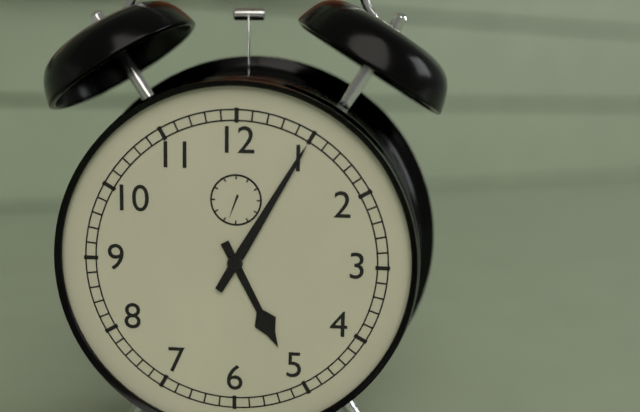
5:05
